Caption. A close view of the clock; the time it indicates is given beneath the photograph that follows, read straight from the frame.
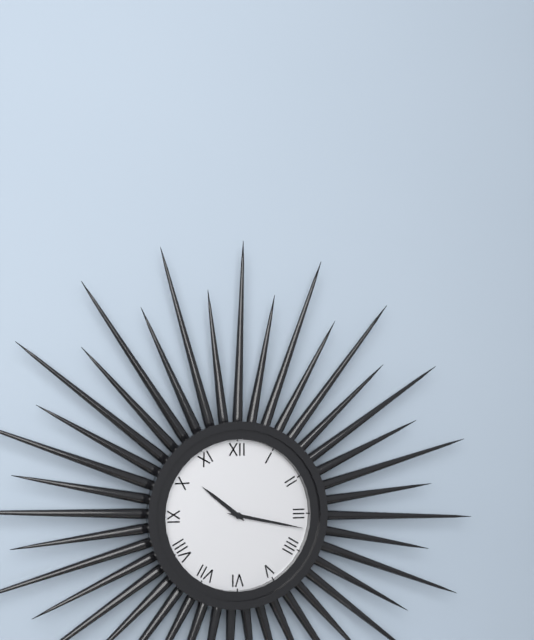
10:17
